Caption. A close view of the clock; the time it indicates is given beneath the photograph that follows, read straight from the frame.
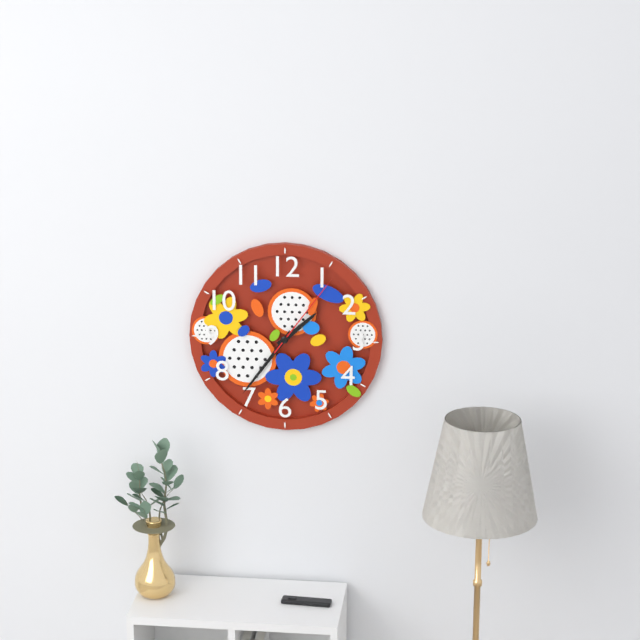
1:36:06
